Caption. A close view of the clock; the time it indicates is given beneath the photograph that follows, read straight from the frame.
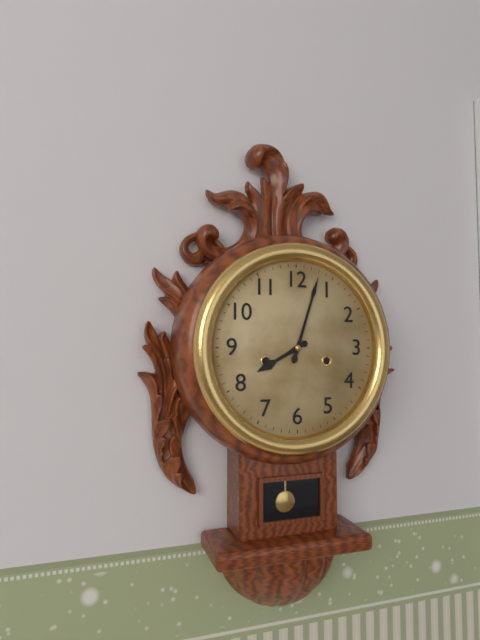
8:03
